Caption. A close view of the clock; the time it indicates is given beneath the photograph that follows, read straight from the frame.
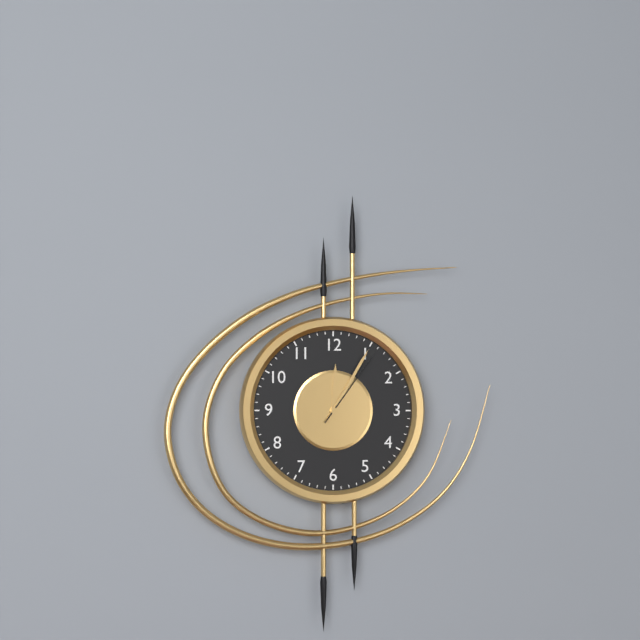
12:05:06
